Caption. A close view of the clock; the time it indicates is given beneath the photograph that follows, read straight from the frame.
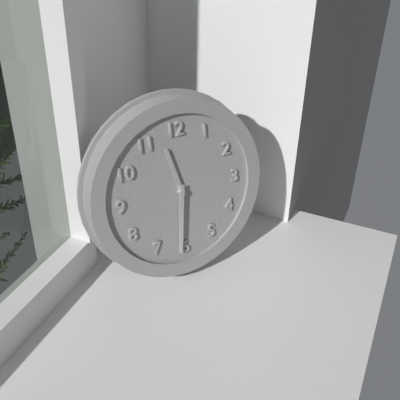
11:31
